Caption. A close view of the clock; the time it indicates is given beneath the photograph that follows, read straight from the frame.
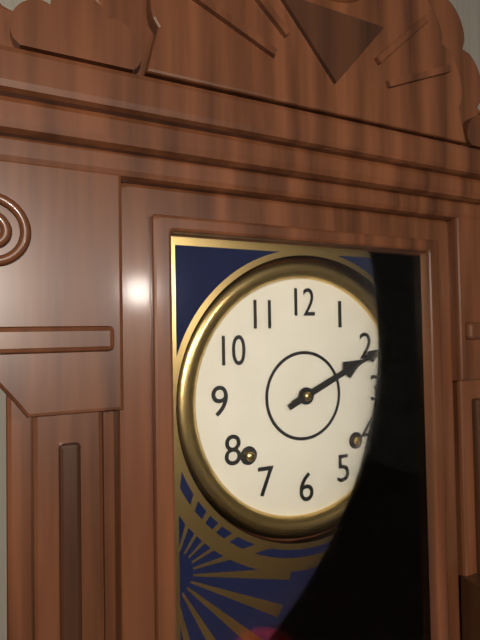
2:11
